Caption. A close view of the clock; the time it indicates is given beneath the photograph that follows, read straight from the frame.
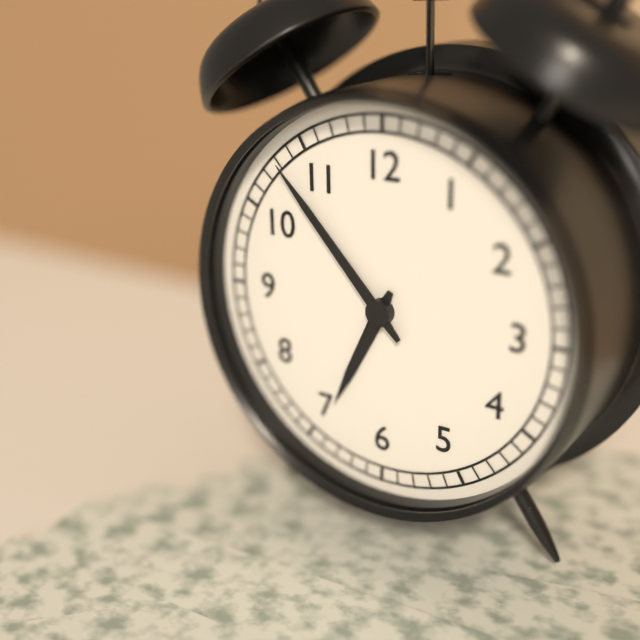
6:53
